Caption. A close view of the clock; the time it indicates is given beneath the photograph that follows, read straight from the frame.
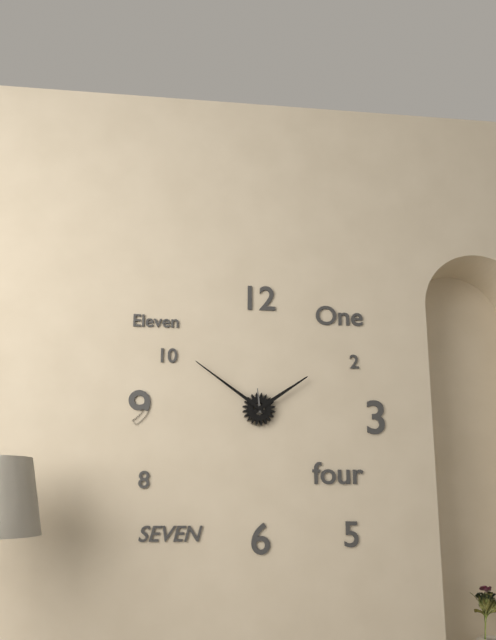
1:51
